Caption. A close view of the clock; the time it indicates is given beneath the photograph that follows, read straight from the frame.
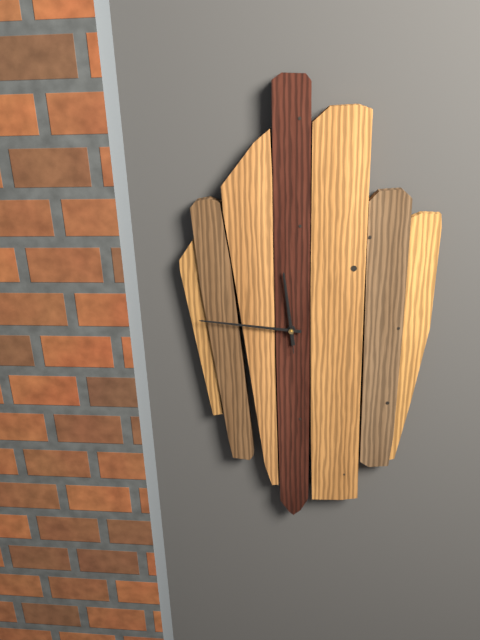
11:46:59
